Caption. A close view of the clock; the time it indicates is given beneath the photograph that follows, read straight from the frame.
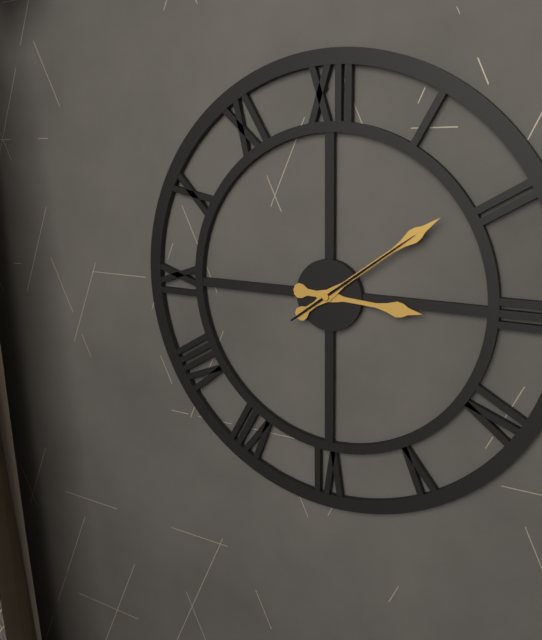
3:09:09
